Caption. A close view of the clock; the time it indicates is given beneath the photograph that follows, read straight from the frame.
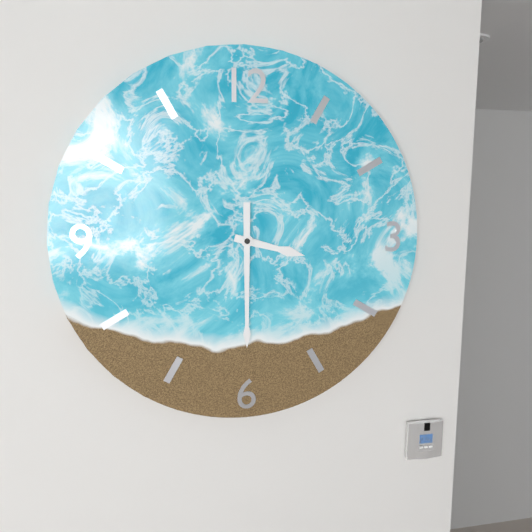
3:30
